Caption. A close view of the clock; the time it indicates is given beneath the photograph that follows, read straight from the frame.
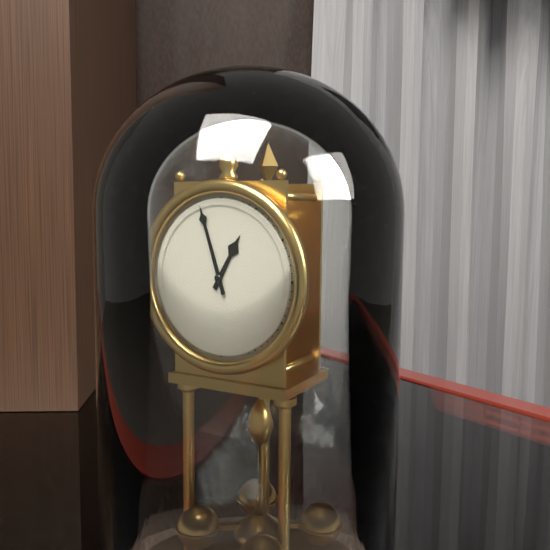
12:57
